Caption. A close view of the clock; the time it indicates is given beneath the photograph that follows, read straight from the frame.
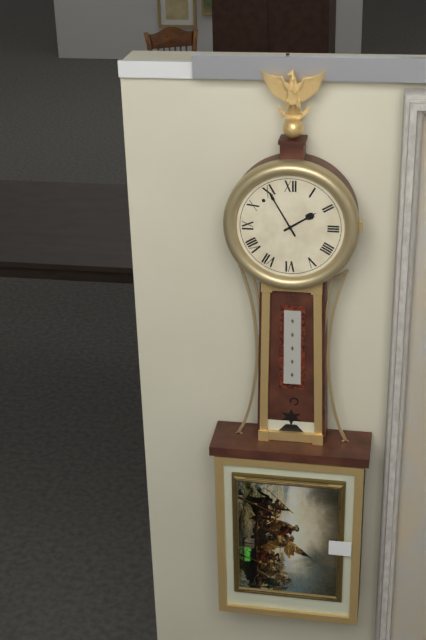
1:55
